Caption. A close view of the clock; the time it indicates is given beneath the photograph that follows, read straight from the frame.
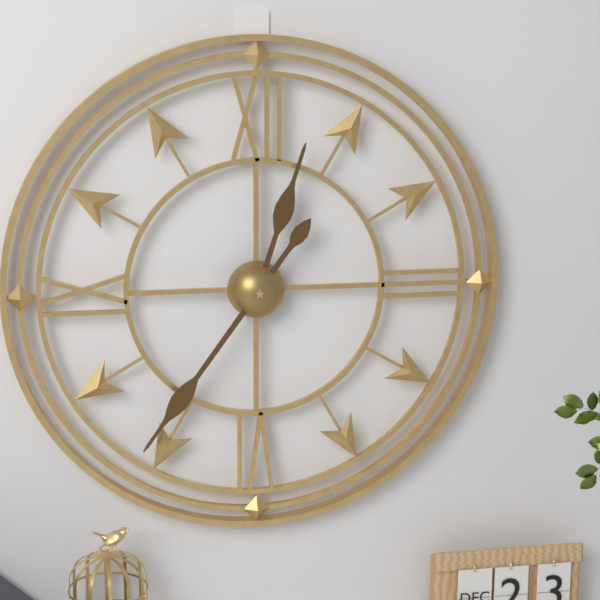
12:36
